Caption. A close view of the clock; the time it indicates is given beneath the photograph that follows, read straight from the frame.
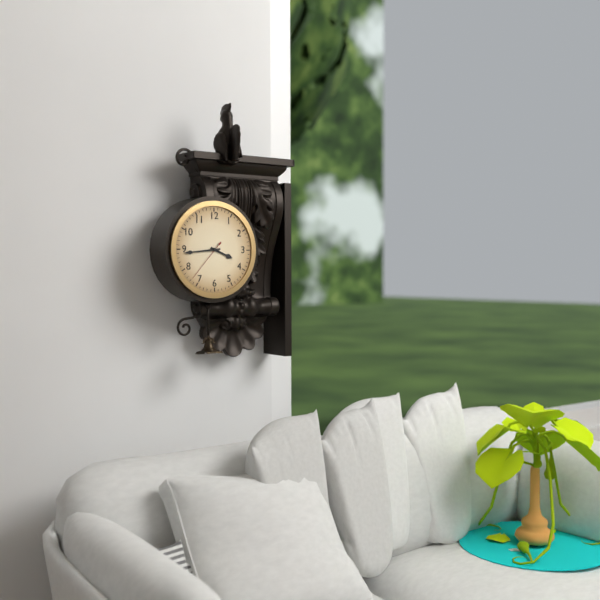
3:44
